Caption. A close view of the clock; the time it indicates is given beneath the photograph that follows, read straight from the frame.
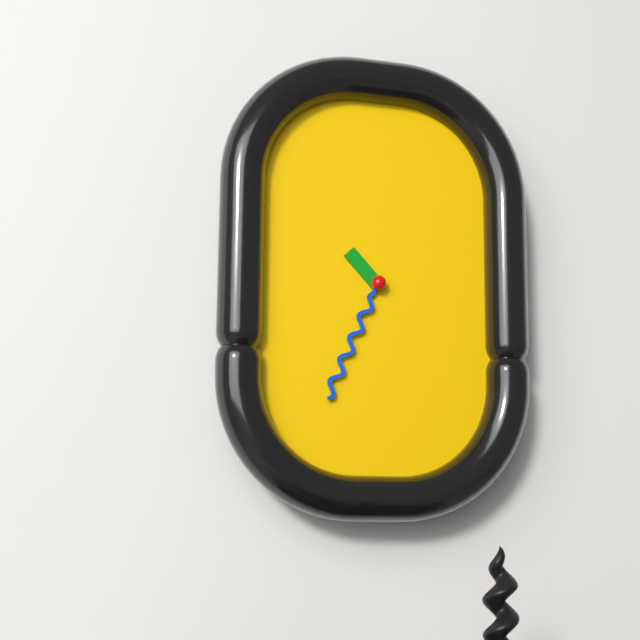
10:34
